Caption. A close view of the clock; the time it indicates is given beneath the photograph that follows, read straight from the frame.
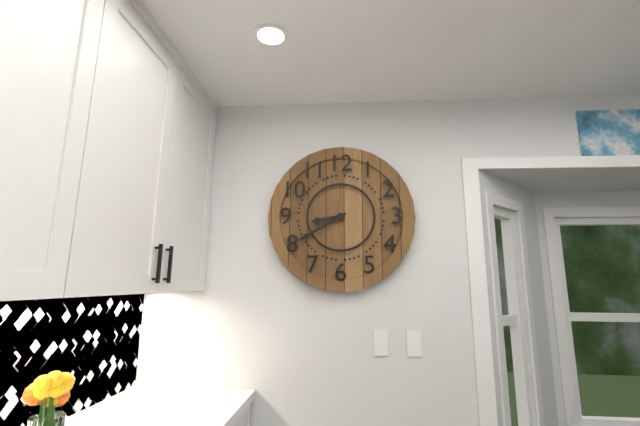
8:40
